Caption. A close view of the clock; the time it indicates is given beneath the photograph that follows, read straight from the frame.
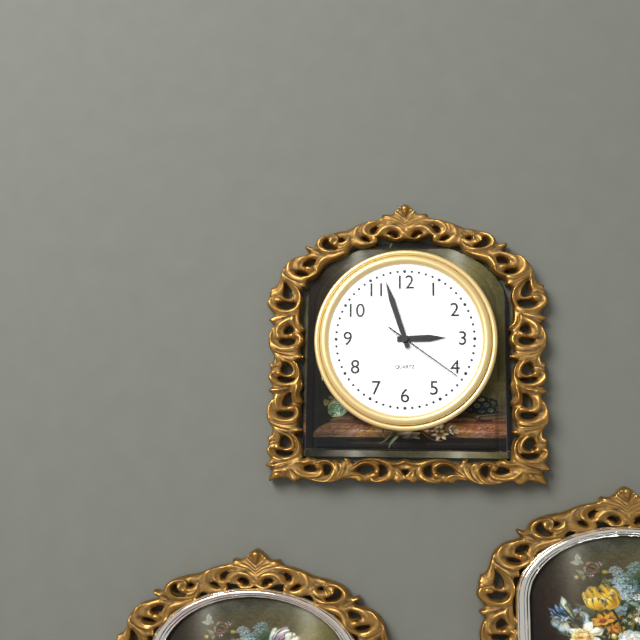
2:57:21
